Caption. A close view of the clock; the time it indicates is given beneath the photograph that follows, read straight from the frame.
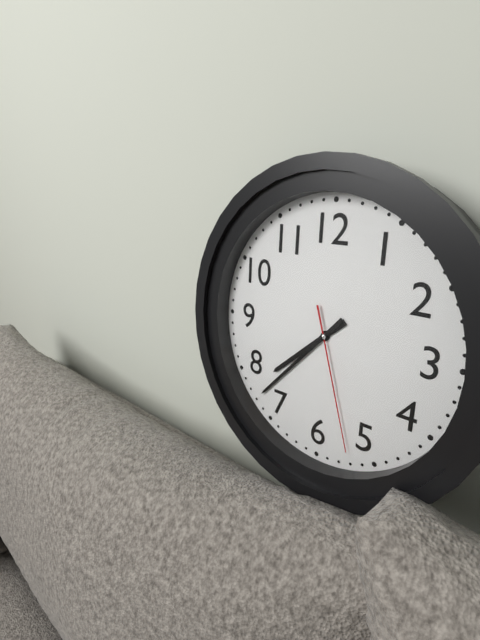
7:37:27
